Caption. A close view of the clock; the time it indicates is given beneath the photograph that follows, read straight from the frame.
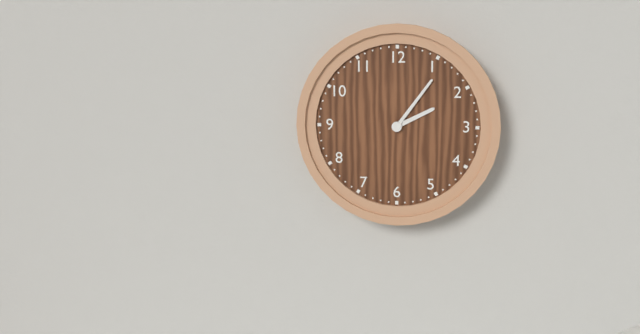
2:06
